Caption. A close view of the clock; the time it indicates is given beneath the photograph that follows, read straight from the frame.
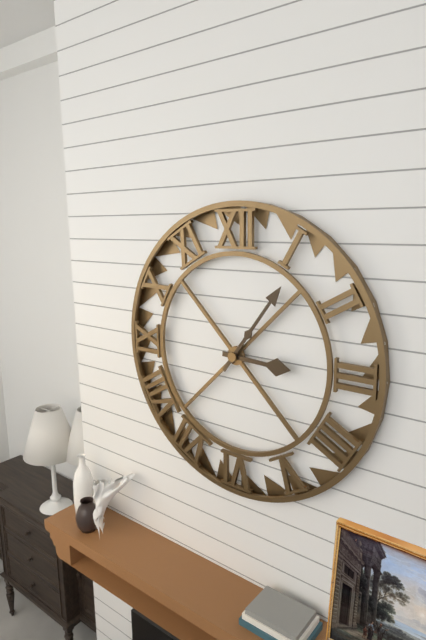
3:06
